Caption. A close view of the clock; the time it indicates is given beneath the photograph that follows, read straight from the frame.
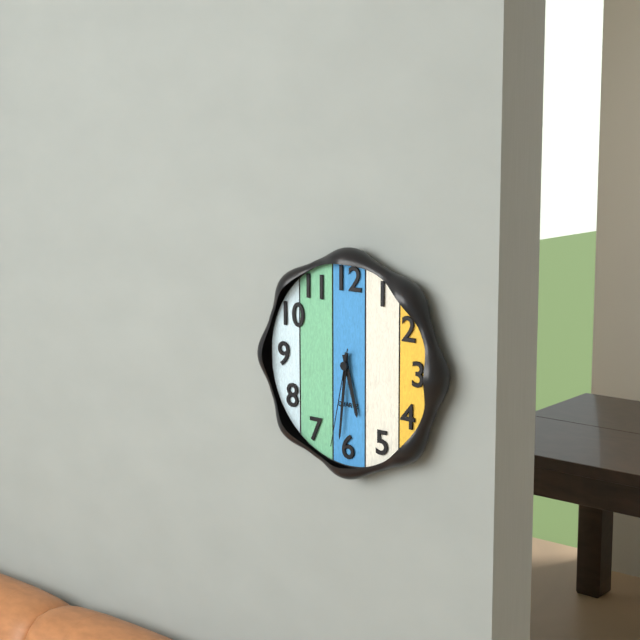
5:31:32
